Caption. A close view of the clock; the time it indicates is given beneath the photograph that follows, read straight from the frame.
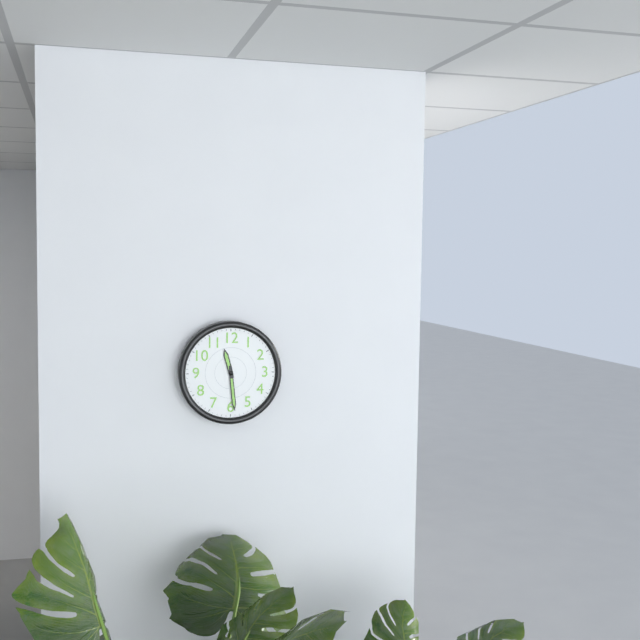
11:29
